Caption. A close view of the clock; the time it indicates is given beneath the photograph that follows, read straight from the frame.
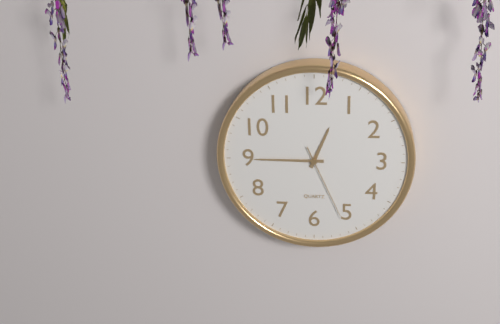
12:45:26
